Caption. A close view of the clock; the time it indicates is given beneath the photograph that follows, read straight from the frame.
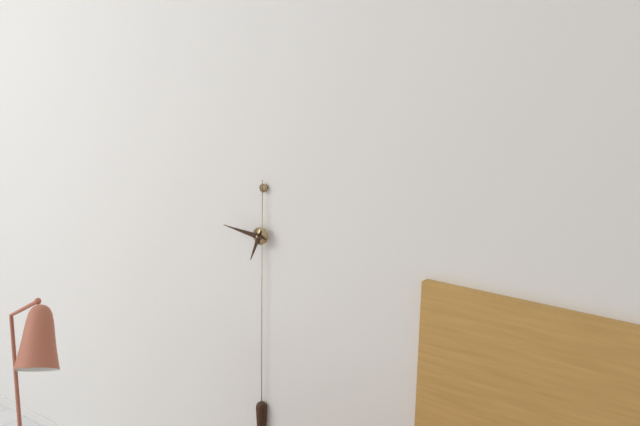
6:46
